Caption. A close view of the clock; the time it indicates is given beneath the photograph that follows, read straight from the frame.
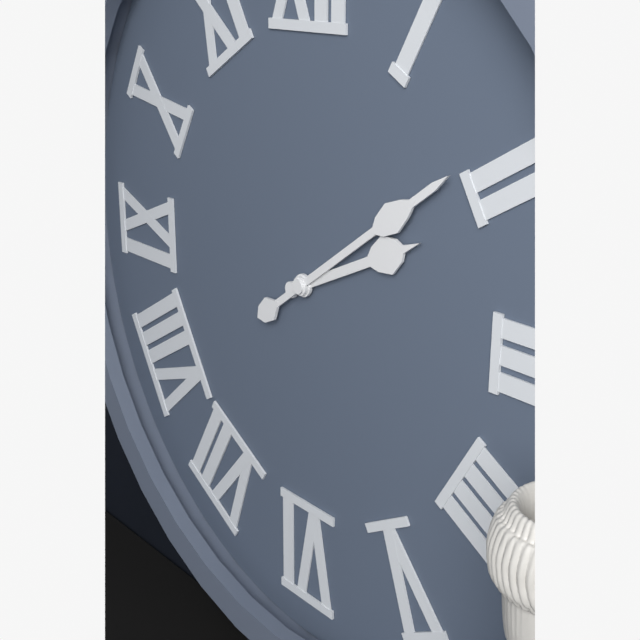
2:09
